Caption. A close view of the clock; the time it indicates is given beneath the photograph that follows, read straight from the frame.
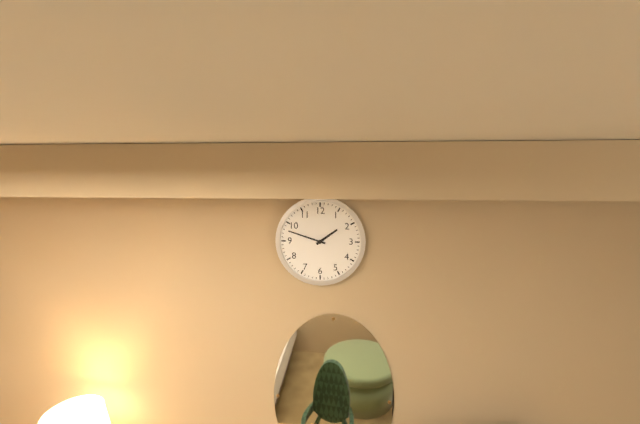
1:48
